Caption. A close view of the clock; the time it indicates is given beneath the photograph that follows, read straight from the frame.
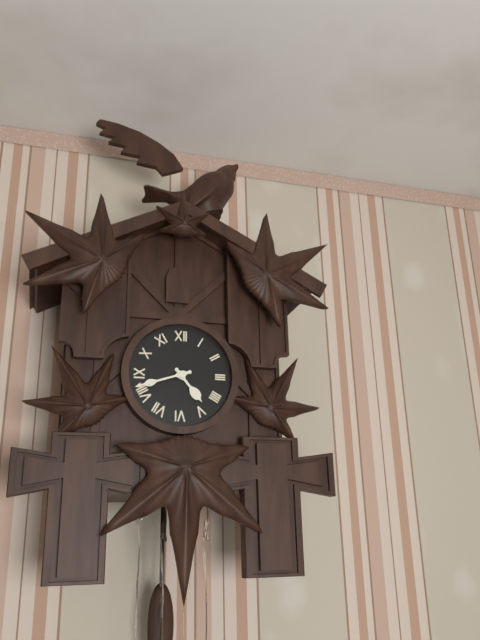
4:42
